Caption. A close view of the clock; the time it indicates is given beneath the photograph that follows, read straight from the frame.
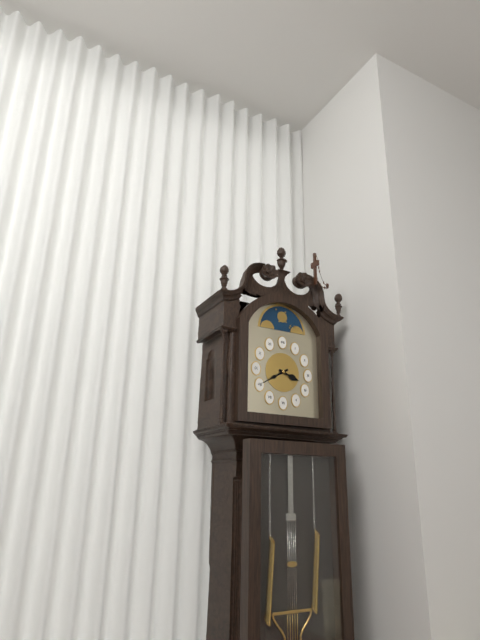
3:40
